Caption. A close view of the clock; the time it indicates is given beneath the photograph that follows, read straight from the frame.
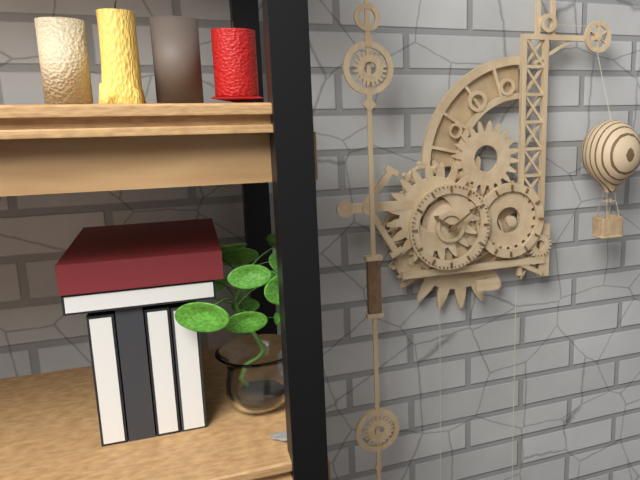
10:09
